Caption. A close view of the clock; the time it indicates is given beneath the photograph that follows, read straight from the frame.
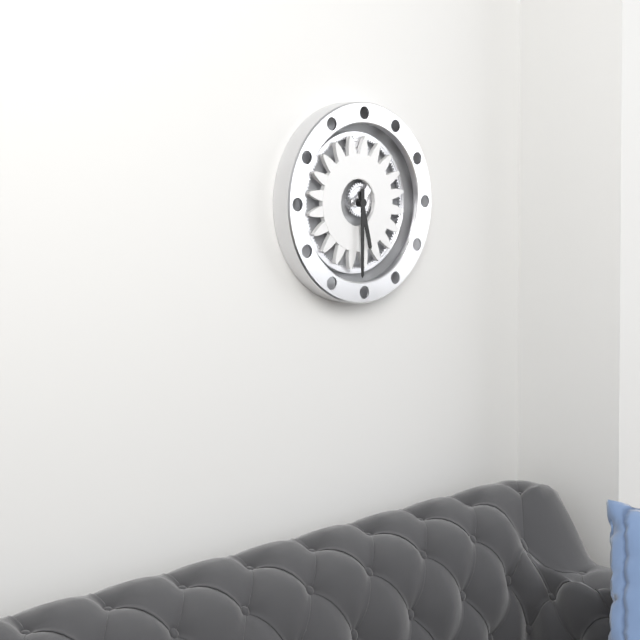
5:30
